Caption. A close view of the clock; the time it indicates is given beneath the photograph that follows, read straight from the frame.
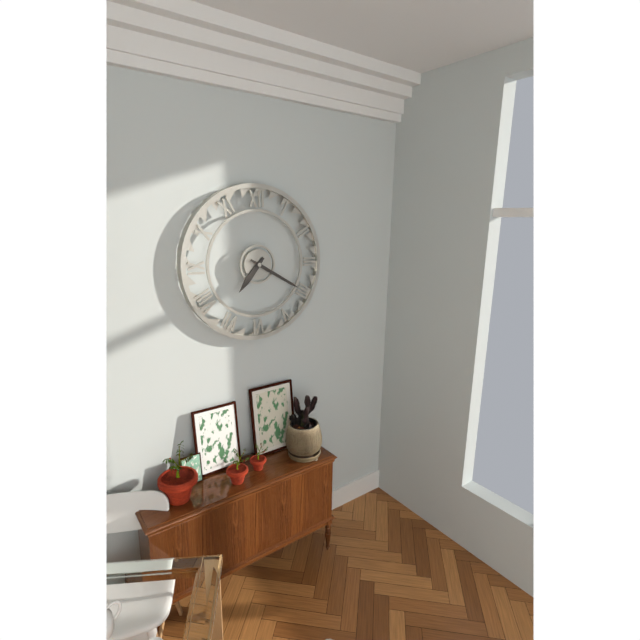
7:20
